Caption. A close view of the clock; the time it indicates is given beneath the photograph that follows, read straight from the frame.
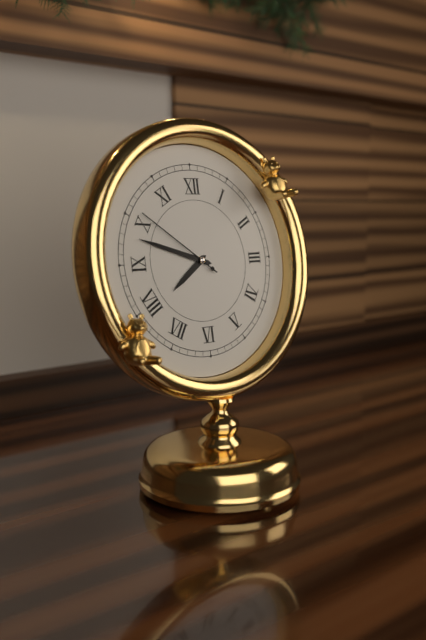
7:48:51
